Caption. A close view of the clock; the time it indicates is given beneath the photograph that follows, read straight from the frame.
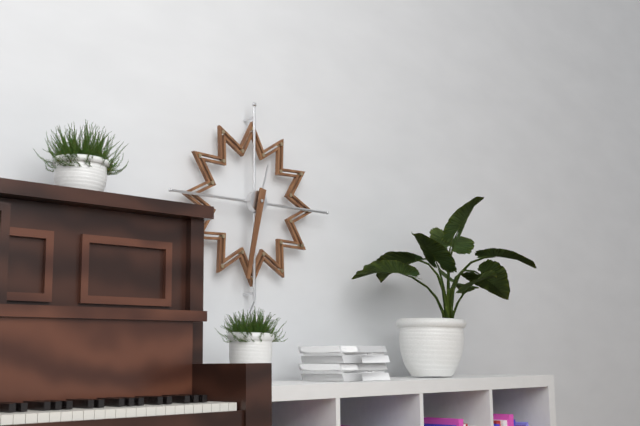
12:32
